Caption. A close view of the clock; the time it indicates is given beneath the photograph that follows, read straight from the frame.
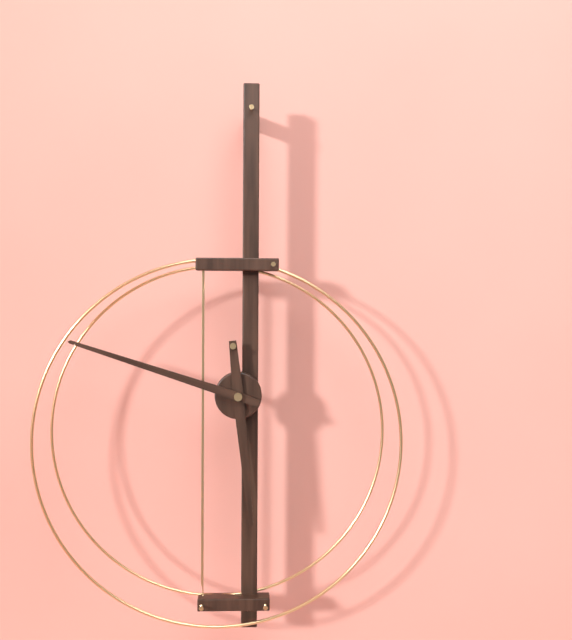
5:48
